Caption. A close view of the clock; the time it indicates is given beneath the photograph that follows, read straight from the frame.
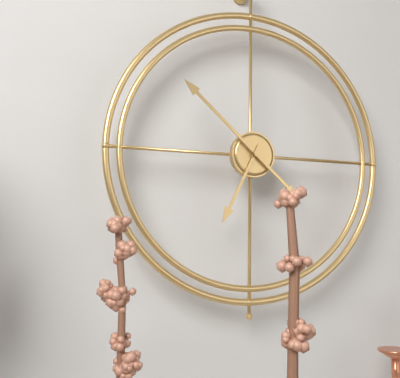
6:52
